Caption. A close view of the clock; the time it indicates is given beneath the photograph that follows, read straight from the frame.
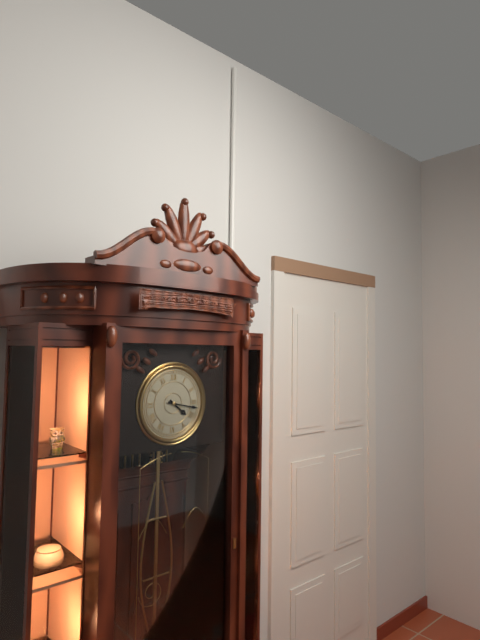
4:17
